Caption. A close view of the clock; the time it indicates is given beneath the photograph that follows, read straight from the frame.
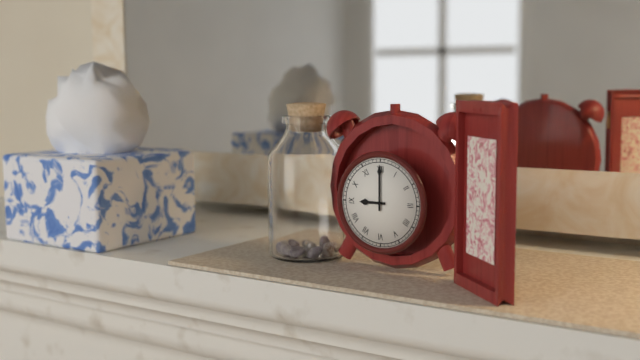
9:00
